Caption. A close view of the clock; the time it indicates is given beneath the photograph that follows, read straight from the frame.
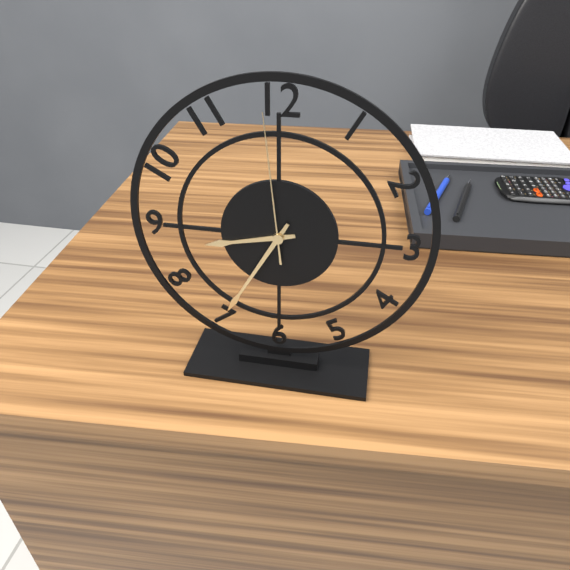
8:35:59
